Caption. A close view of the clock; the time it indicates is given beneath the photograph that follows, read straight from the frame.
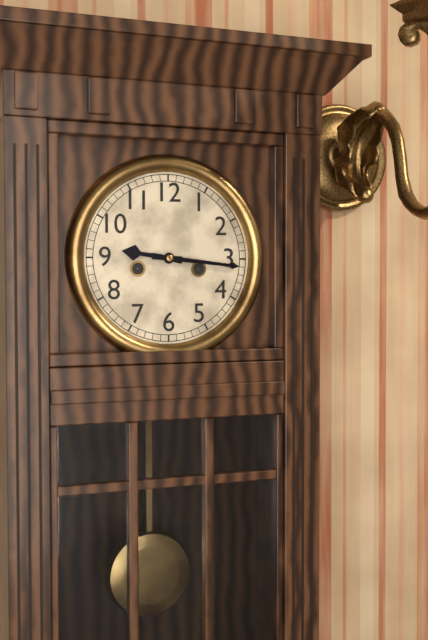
9:16
